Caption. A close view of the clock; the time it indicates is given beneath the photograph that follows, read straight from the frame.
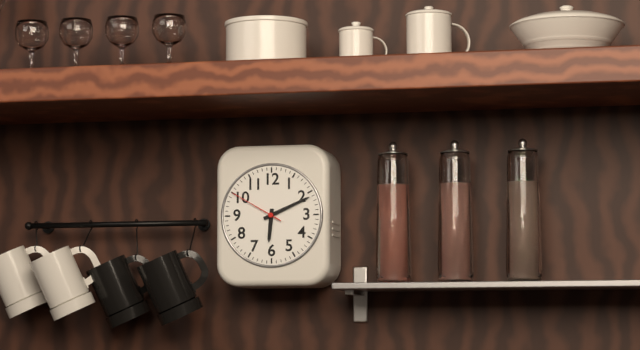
6:11:50
